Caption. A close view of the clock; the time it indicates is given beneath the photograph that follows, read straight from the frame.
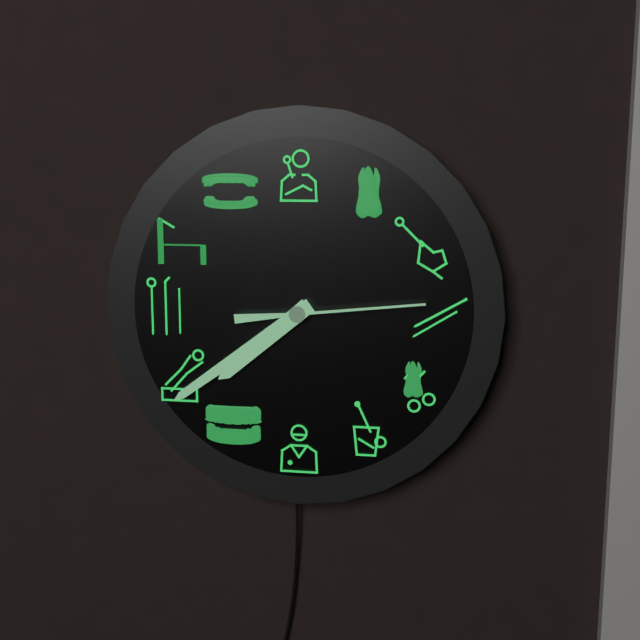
7:39:14
